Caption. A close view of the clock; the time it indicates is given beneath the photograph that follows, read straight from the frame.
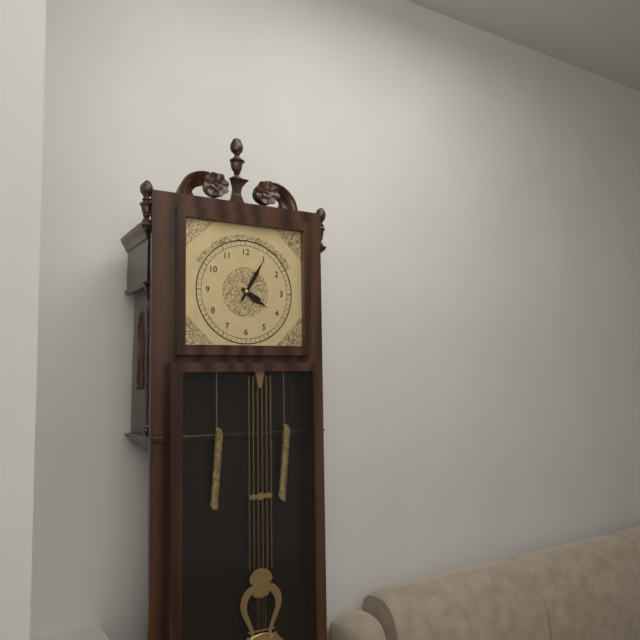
4:05
